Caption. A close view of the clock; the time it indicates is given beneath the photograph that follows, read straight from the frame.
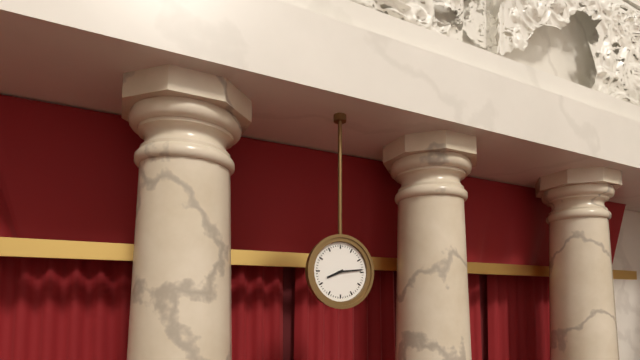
8:14
